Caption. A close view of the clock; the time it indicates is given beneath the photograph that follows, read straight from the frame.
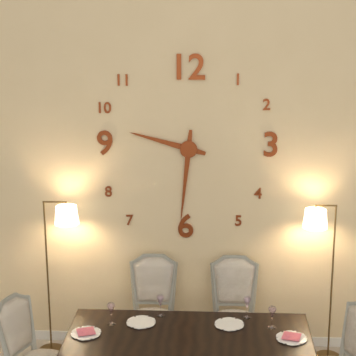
9:31
